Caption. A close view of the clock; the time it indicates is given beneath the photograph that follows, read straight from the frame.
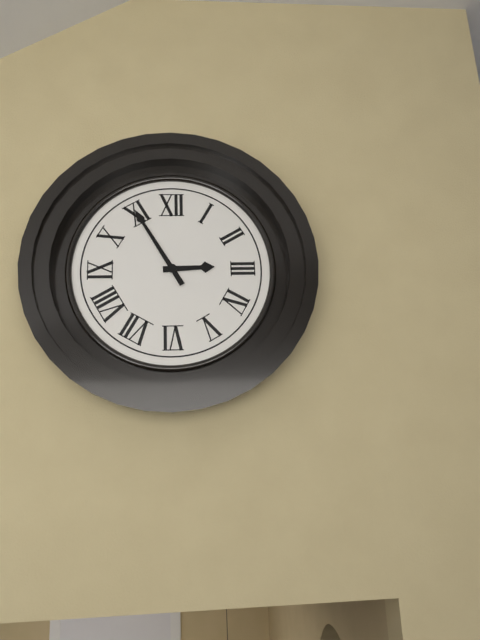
2:55
